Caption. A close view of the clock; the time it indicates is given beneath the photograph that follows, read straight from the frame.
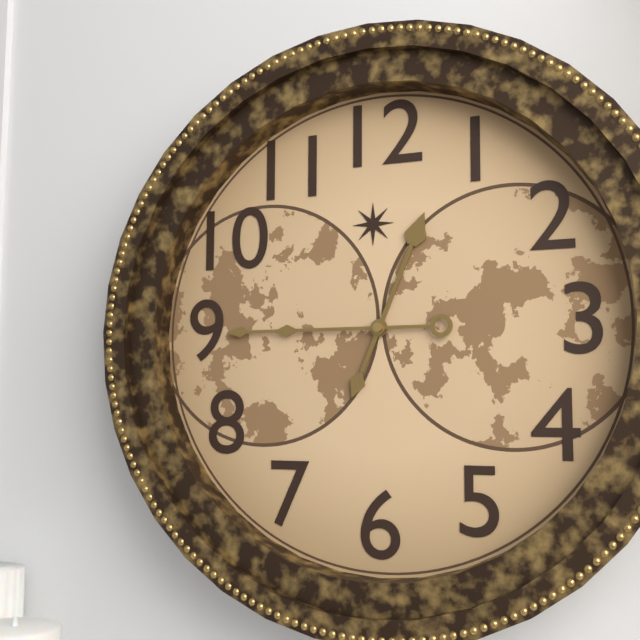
12:45
